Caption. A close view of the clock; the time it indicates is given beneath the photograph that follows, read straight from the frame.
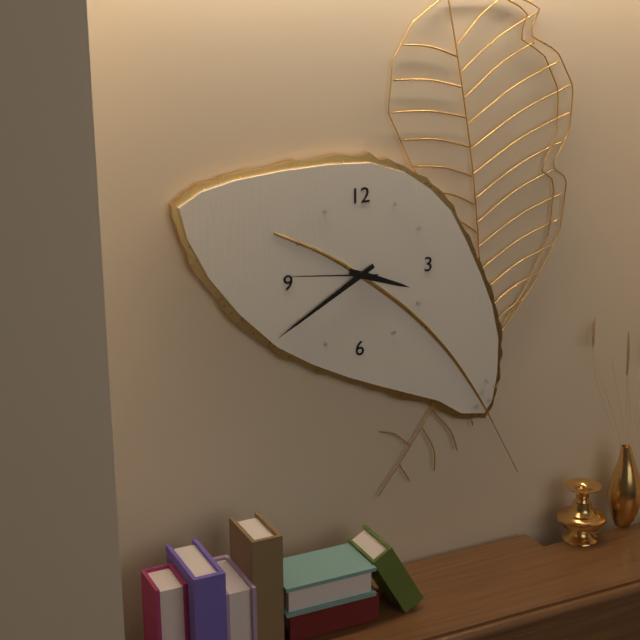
3:40:46
